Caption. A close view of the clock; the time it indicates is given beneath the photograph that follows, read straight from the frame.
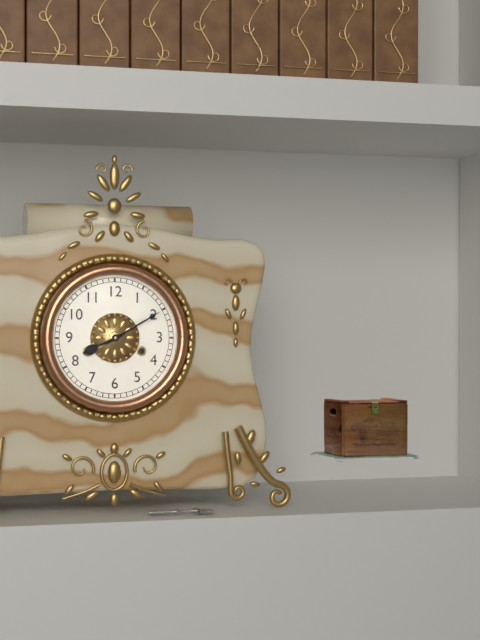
8:10
